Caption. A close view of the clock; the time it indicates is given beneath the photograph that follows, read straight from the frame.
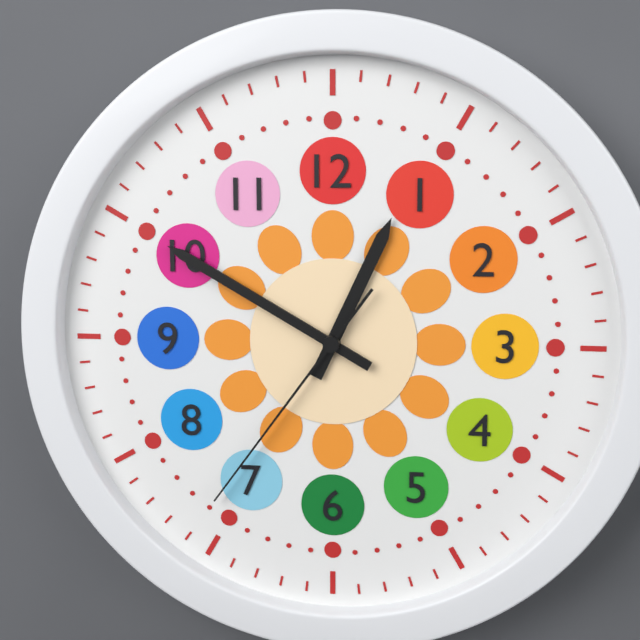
12:50:36
